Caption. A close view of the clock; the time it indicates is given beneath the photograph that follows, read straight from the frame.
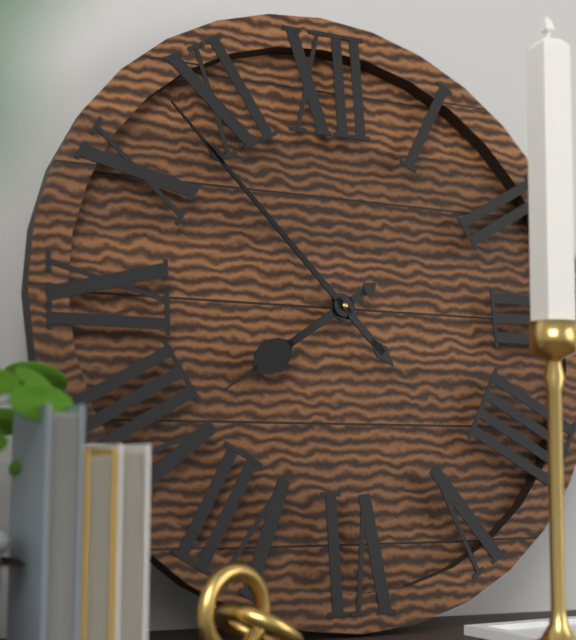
7:53
